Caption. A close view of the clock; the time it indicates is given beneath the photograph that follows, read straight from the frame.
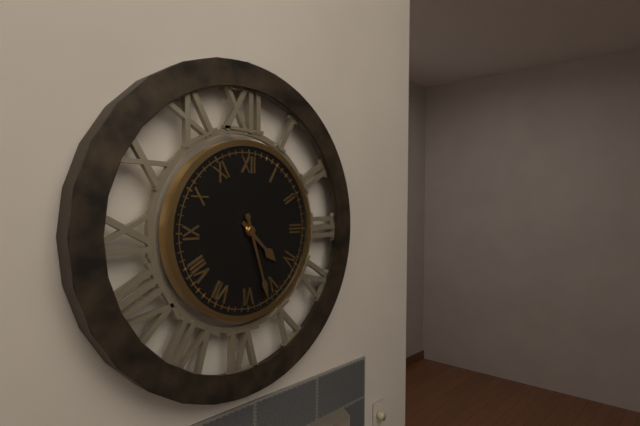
4:27
